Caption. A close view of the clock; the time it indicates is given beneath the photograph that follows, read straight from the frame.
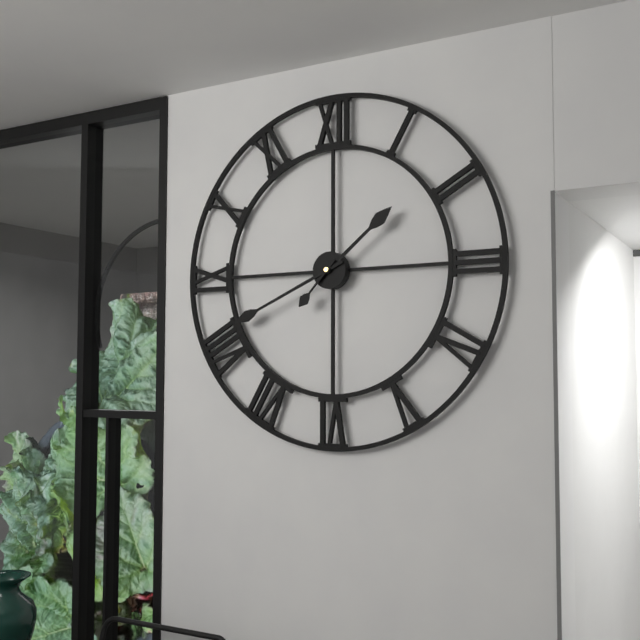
1:41:37
